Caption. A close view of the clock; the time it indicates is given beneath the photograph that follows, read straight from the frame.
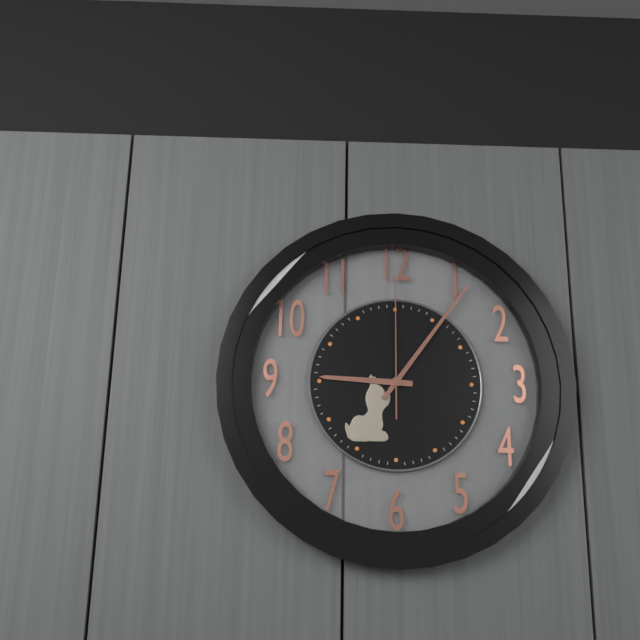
9:06:00
